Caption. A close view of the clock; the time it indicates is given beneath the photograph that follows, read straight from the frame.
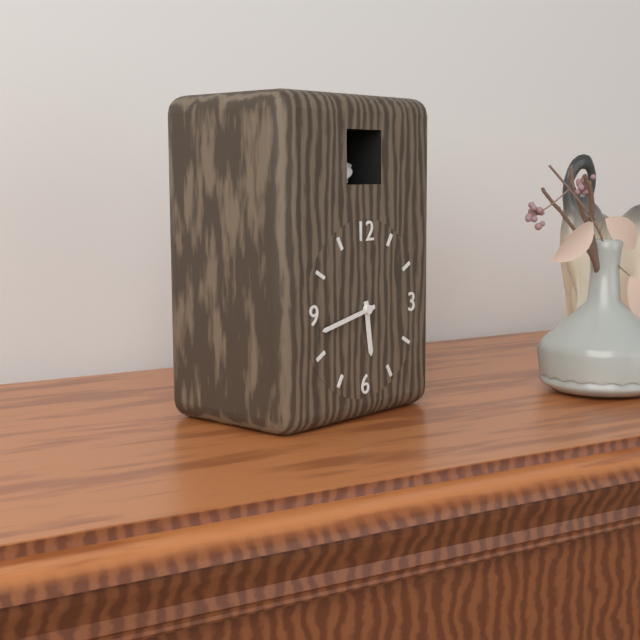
5:43
